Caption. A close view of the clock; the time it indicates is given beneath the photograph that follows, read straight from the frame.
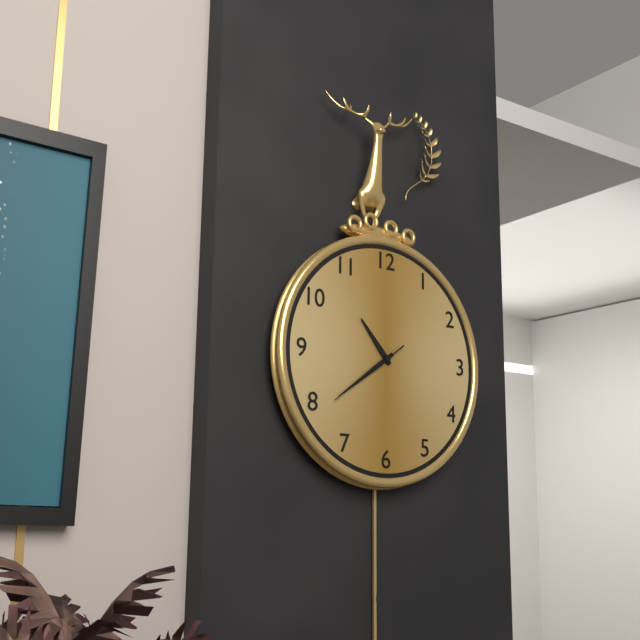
10:39:39
